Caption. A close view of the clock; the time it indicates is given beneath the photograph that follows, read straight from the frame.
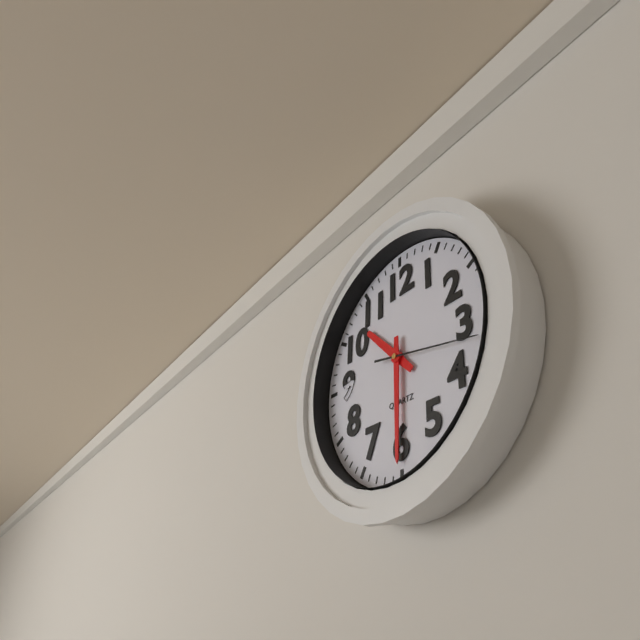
10:30:17
